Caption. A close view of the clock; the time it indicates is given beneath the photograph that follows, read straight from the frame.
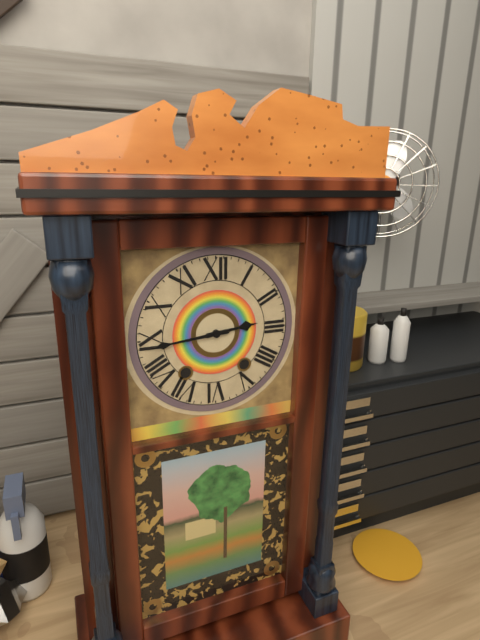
2:44
